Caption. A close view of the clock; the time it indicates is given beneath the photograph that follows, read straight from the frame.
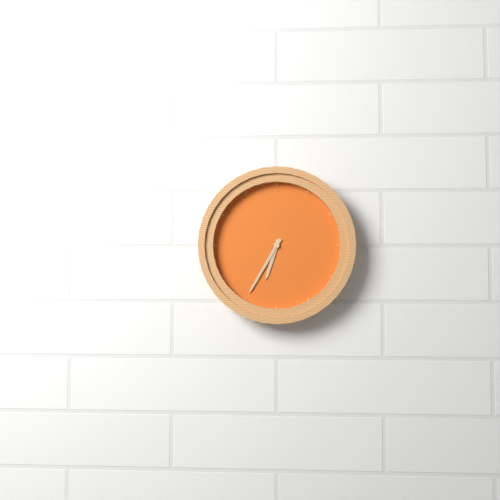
6:35
